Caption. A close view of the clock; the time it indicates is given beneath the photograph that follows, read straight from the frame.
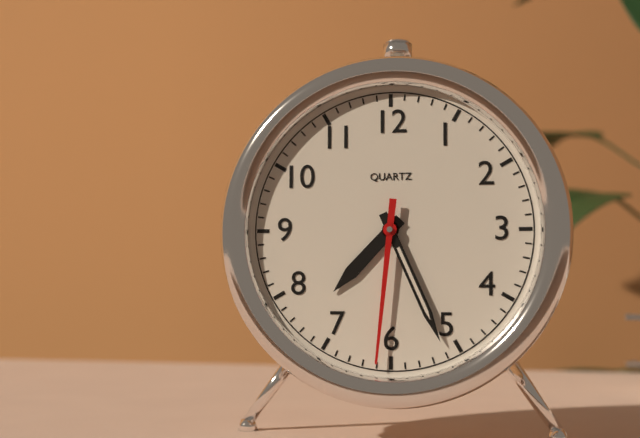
7:26:31
